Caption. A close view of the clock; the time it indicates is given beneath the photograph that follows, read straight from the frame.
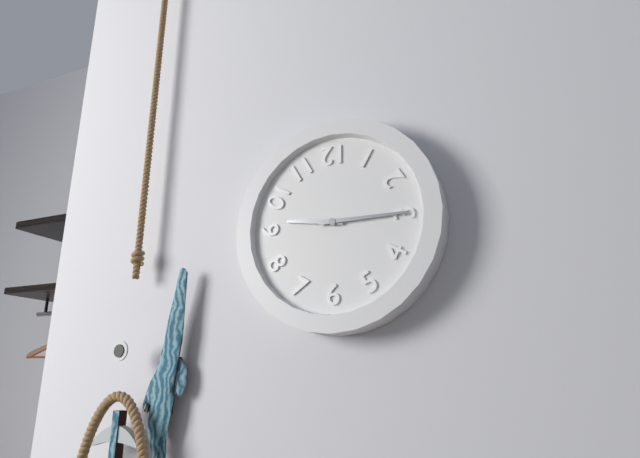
9:15
